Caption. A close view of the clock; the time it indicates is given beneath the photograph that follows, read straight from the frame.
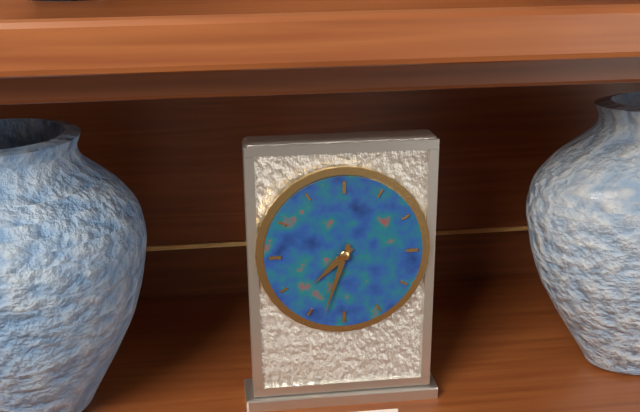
7:33
